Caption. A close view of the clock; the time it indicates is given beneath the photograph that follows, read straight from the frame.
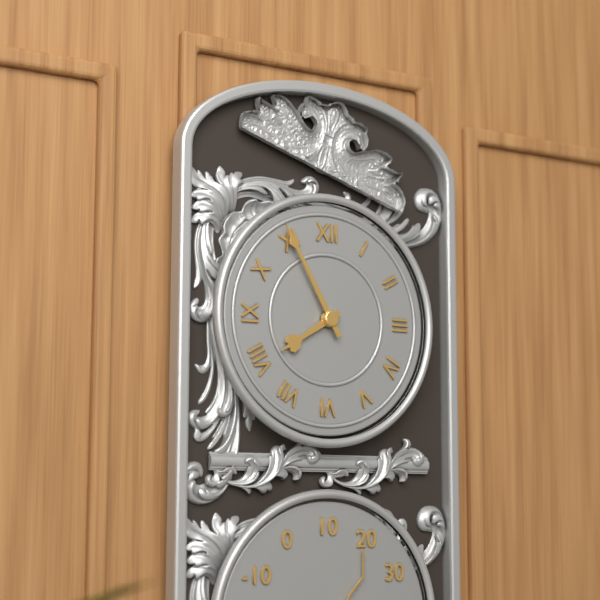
7:55
